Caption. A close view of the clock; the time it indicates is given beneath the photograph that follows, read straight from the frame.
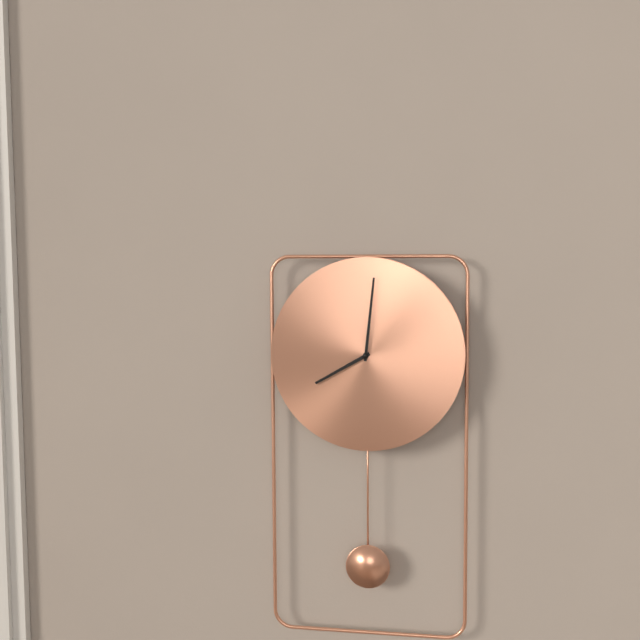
8:01
